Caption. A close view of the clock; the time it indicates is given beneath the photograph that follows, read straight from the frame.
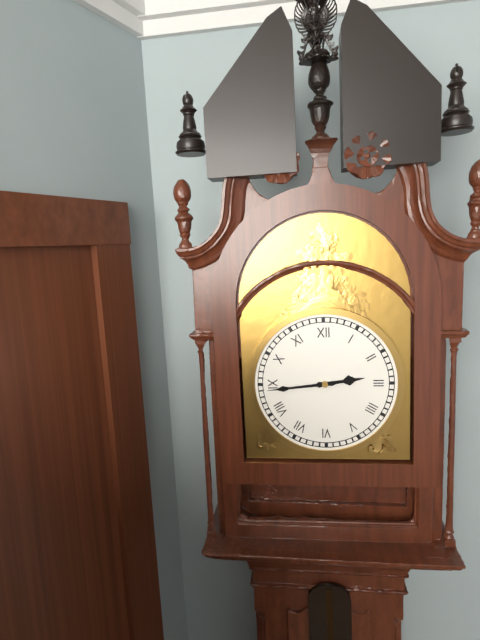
2:44
